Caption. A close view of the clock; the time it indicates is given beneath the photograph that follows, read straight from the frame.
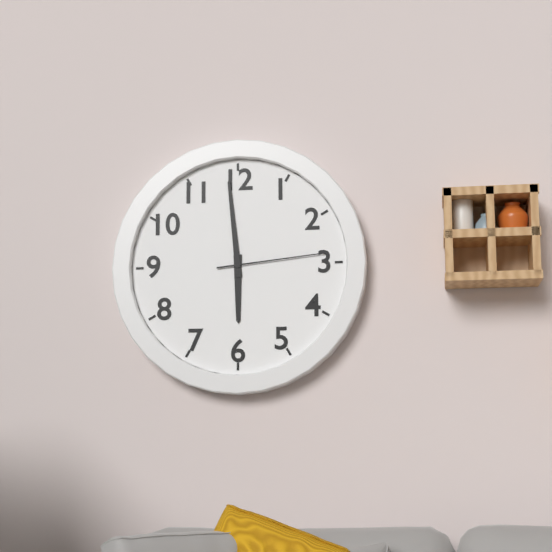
5:59:14
